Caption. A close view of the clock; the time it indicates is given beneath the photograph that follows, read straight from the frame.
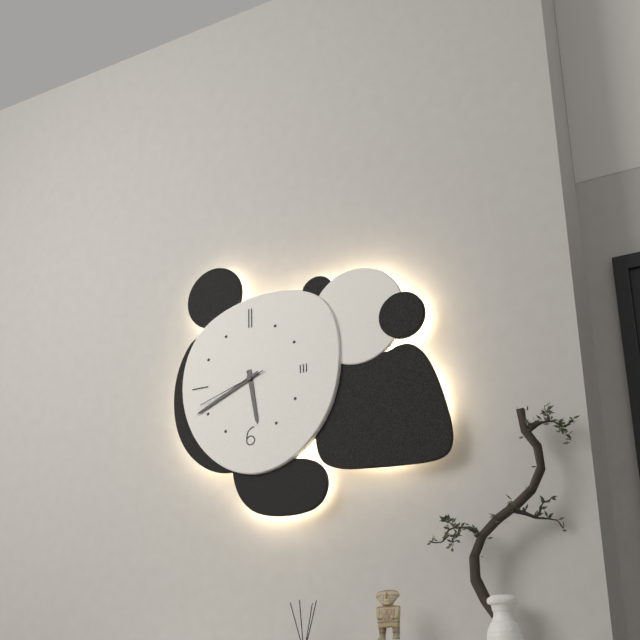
5:41:42
